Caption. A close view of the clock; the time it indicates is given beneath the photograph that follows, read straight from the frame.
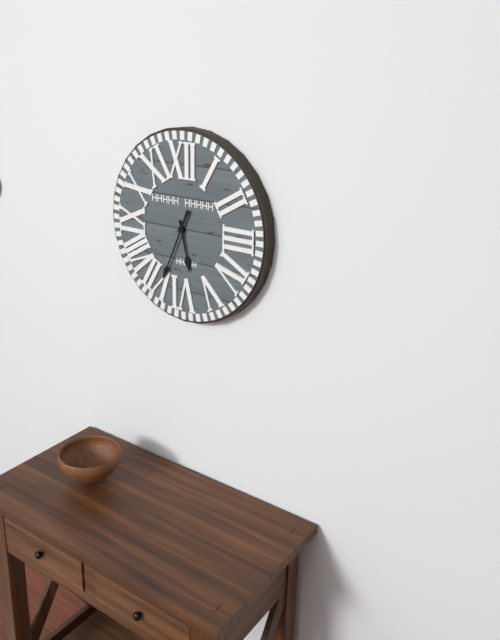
5:34
